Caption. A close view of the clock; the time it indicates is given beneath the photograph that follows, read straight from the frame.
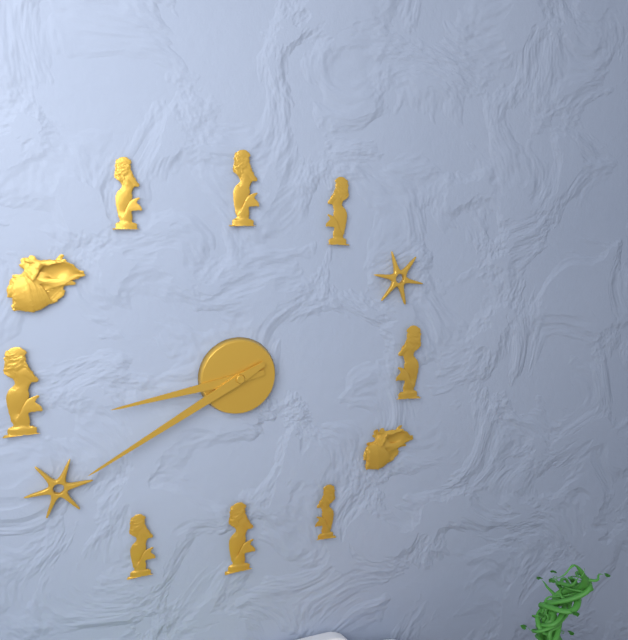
8:40
